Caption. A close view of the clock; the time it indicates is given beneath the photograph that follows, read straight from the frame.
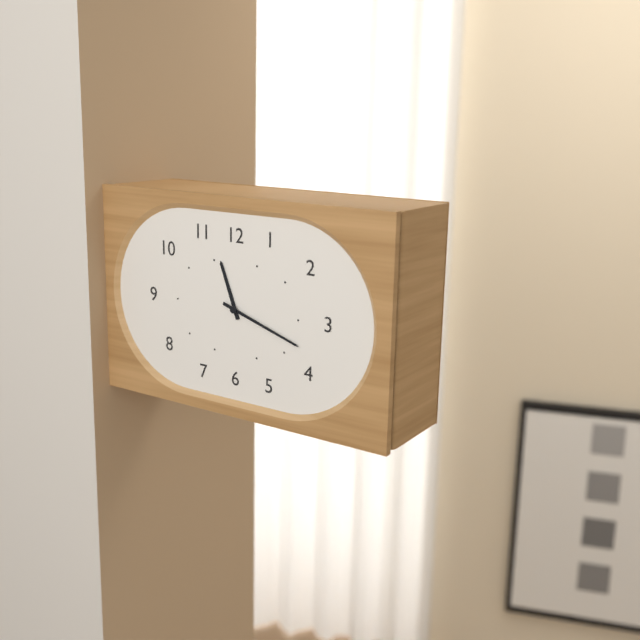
11:18
